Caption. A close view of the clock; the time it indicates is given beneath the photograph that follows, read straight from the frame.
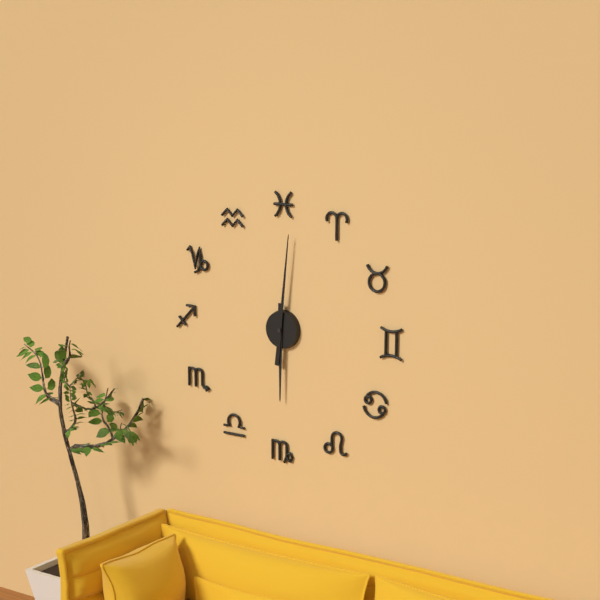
6:01
